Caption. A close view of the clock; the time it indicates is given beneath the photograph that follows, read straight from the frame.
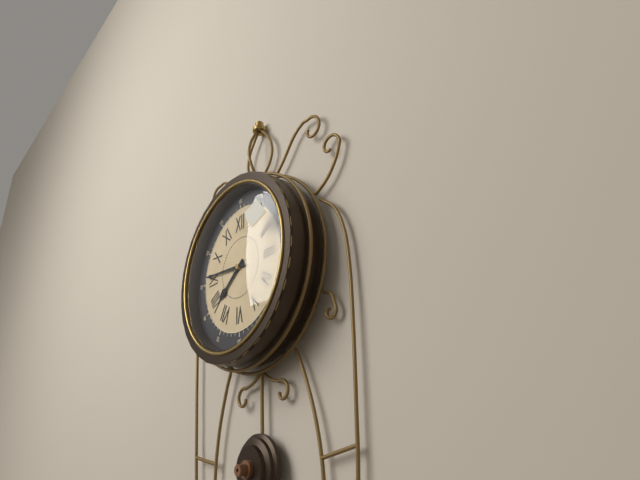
7:46
